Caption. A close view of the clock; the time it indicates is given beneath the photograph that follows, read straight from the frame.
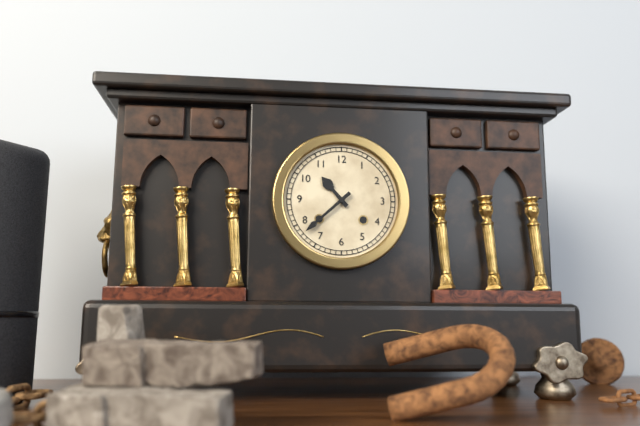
10:38
